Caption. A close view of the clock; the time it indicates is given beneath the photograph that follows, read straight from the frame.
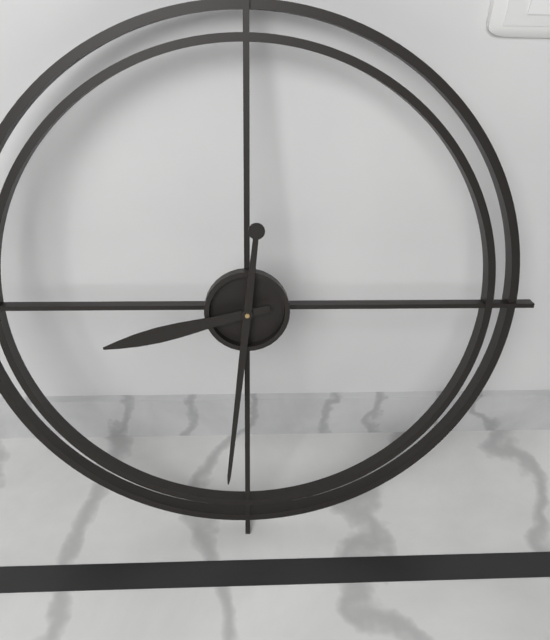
8:31
